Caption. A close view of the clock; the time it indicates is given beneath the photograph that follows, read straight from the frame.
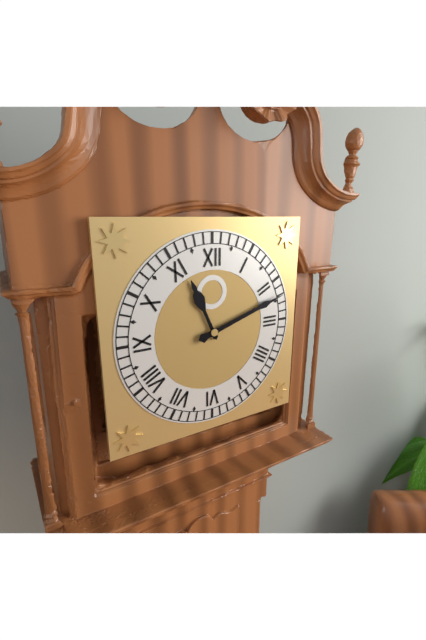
11:12
